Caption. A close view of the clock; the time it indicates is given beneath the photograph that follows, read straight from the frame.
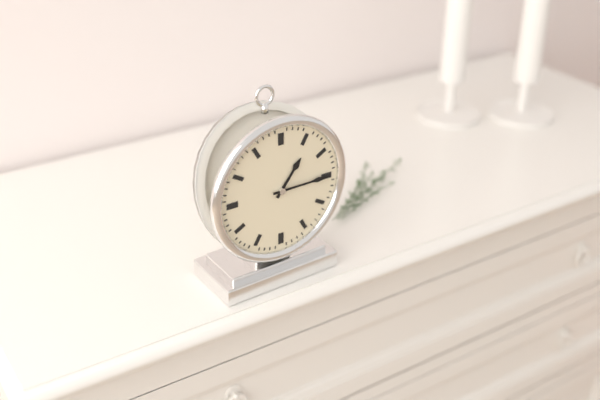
1:15
